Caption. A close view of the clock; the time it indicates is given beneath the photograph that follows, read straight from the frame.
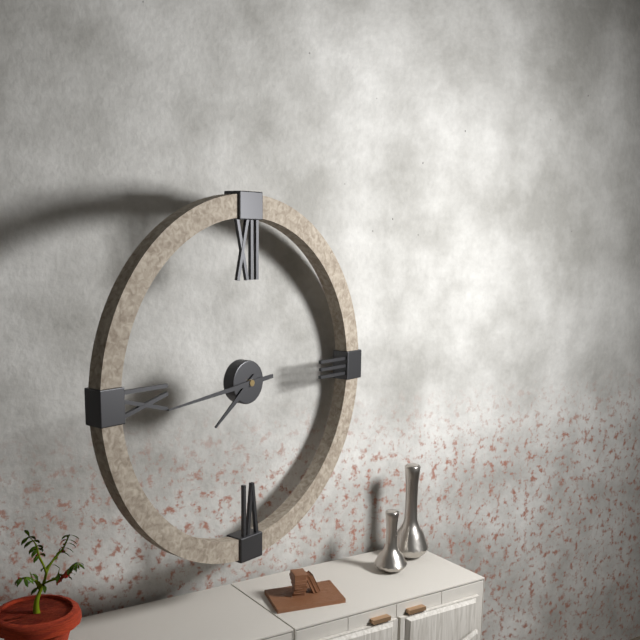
7:44
